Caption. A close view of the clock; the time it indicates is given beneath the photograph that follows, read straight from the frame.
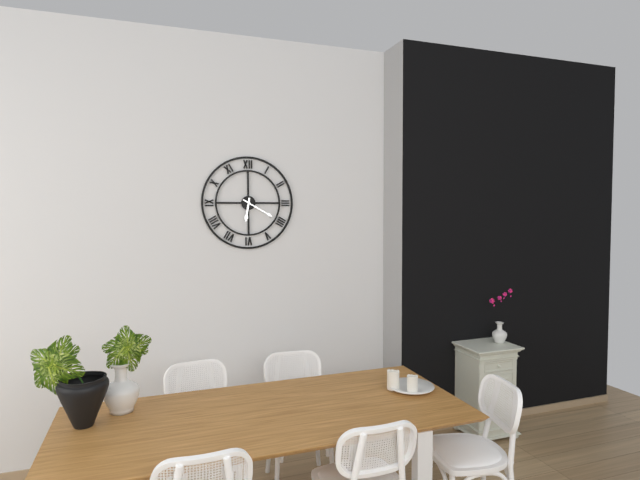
6:20
